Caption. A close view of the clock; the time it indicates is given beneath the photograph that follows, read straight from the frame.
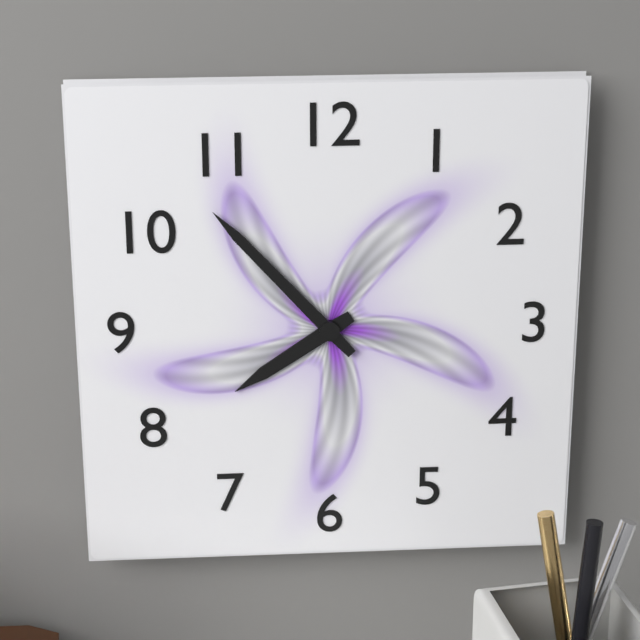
7:53
